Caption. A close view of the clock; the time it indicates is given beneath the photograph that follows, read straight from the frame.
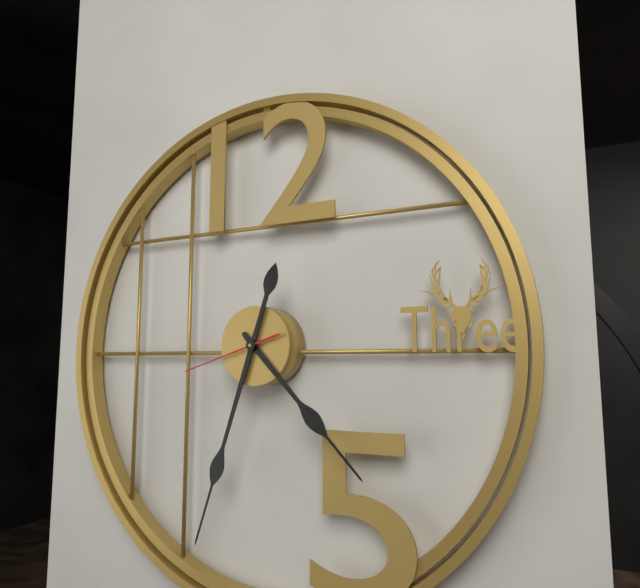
4:33:42
